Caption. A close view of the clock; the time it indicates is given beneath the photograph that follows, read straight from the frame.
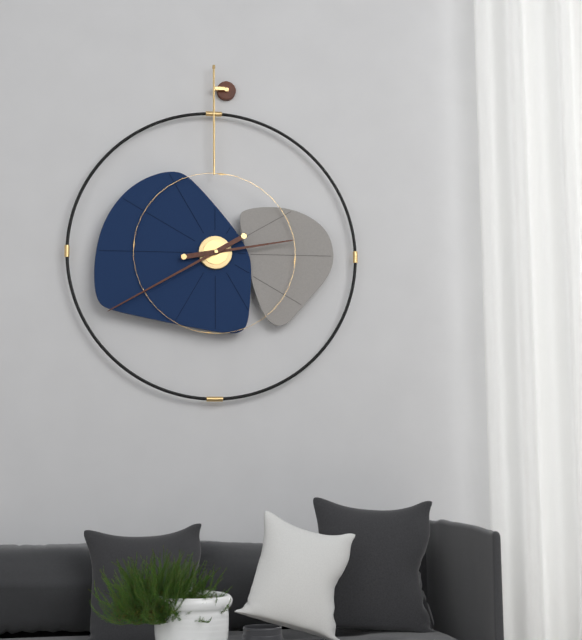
2:40
